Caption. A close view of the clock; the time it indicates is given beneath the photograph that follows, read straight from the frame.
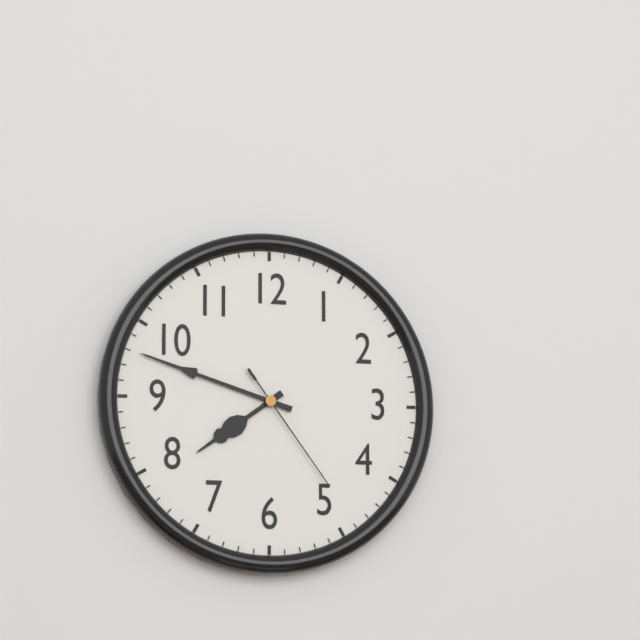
7:48:24
